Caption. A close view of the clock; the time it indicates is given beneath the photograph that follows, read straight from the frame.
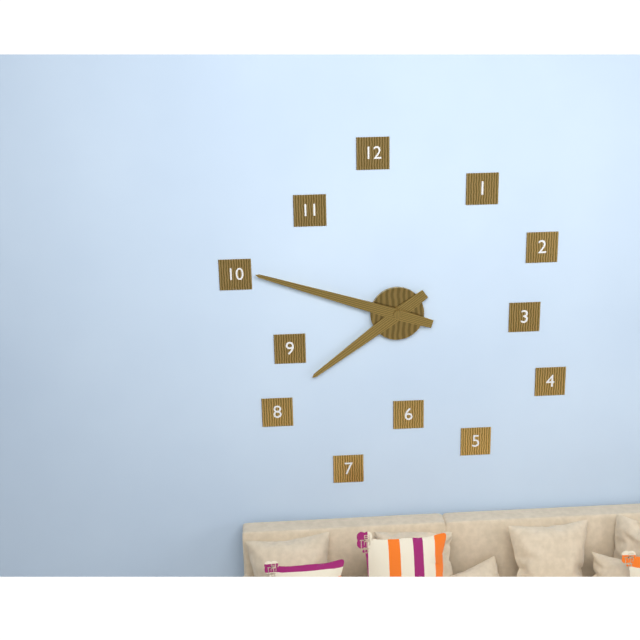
7:48
